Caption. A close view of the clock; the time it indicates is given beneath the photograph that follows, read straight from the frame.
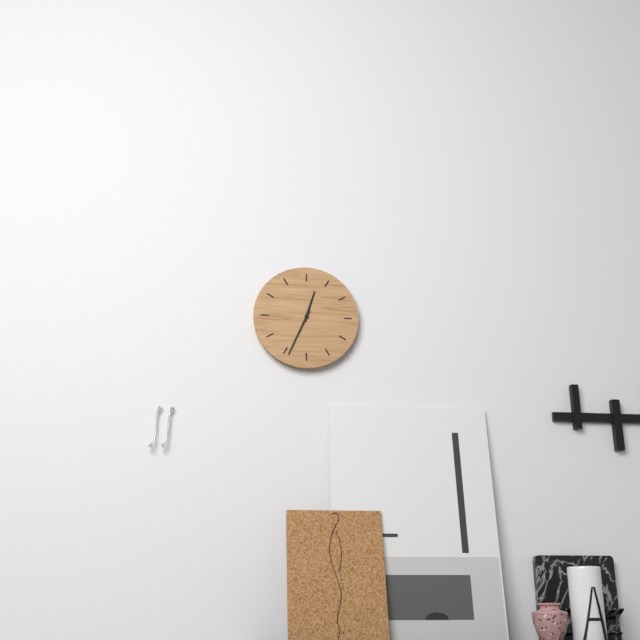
12:34
